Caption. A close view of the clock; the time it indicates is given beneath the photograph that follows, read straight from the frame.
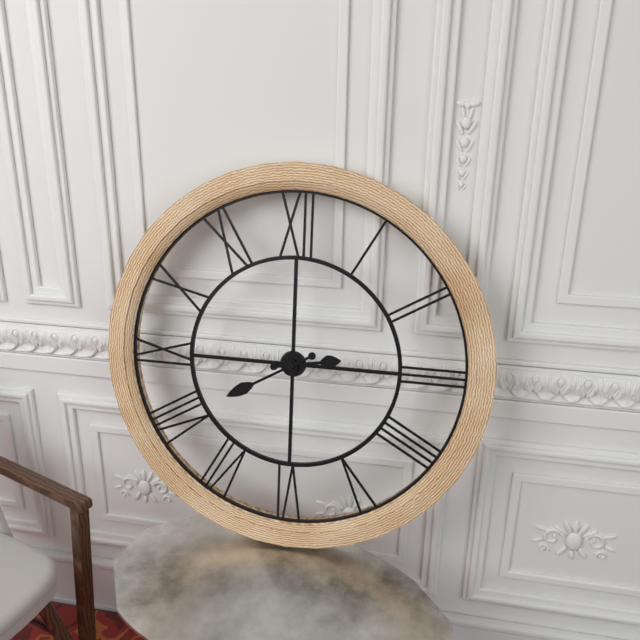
2:40
